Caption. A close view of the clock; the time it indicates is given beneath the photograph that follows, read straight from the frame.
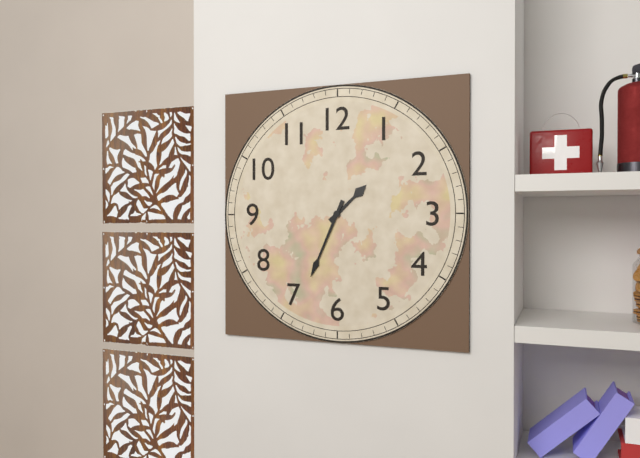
1:34
